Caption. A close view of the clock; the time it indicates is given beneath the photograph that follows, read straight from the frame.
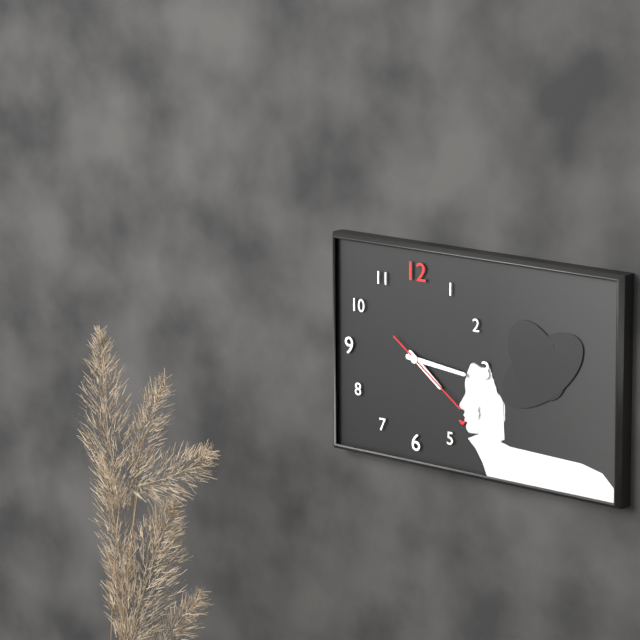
4:16:21
